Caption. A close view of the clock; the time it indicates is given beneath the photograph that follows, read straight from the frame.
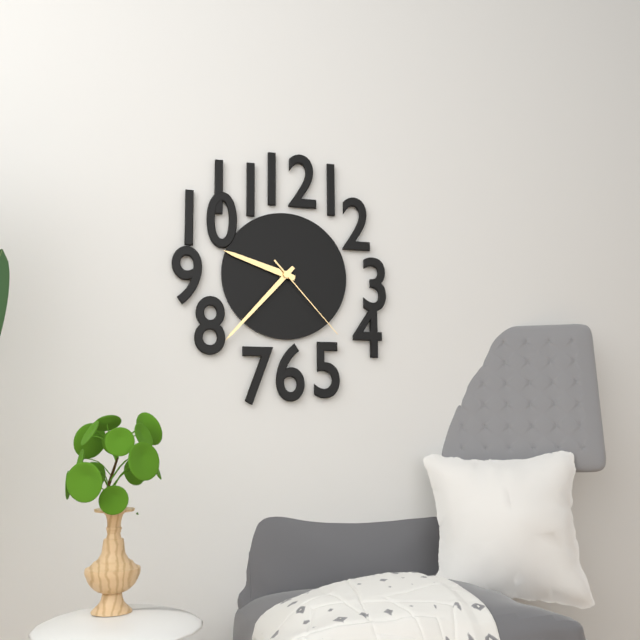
9:37:23
